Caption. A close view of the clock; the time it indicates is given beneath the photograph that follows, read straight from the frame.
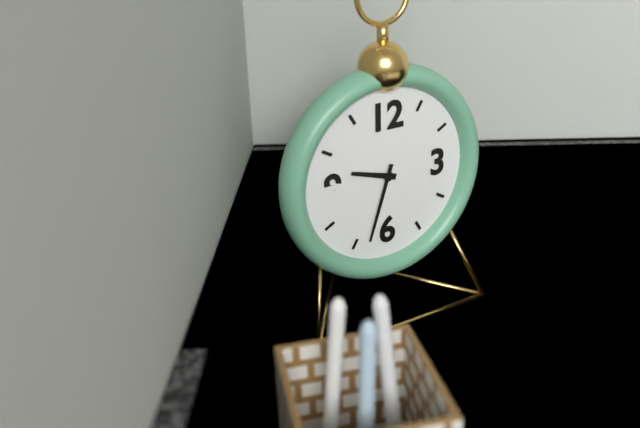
9:33
